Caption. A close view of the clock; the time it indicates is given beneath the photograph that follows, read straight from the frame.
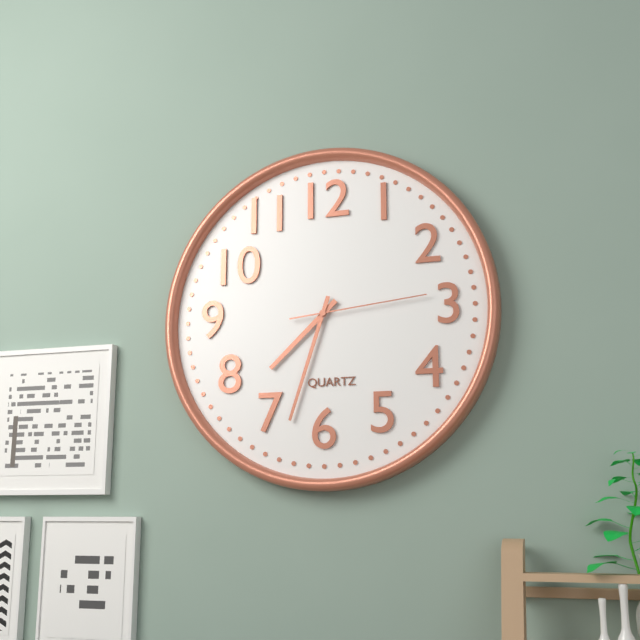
7:33:14
